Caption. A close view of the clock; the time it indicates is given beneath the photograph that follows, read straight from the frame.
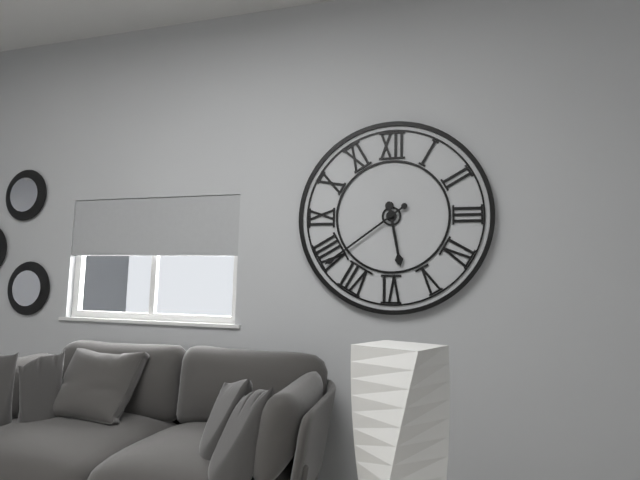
5:39
